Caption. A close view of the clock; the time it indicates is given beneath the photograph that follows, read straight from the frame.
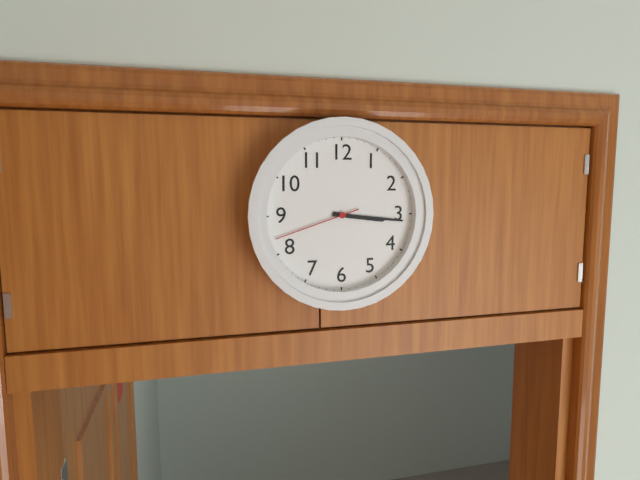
3:16:42
